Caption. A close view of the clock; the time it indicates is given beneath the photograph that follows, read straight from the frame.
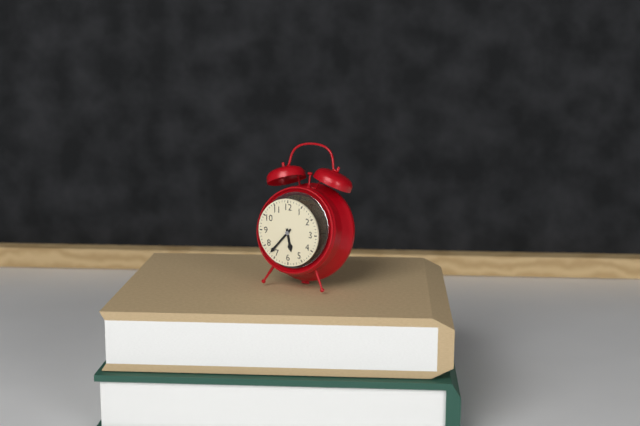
5:37
